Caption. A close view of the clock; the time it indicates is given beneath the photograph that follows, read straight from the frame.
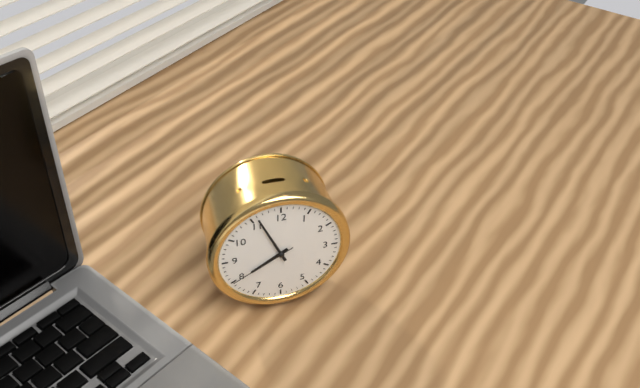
7:56:40
